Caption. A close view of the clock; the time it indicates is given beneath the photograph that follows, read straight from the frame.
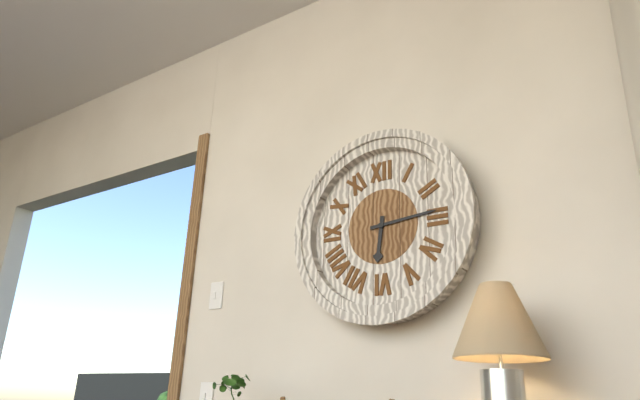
6:14
